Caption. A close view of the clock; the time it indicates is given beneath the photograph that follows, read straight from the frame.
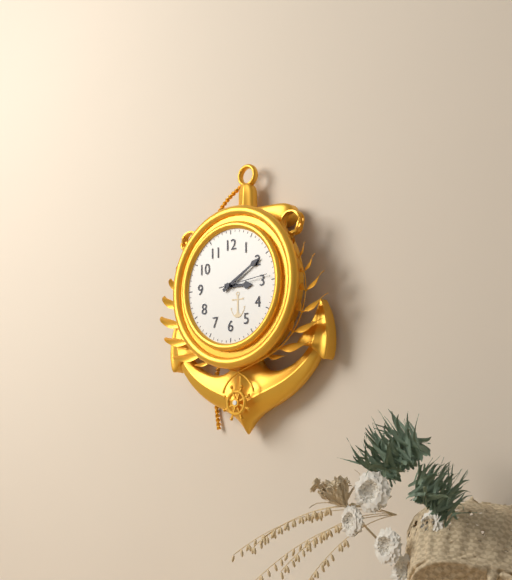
3:10:14
